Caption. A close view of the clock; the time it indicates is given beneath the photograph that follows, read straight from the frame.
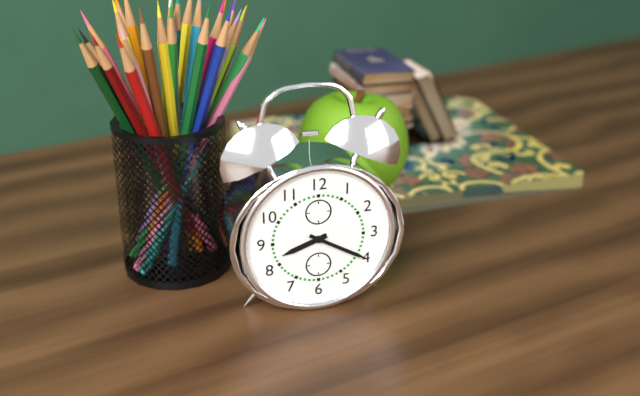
8:20
